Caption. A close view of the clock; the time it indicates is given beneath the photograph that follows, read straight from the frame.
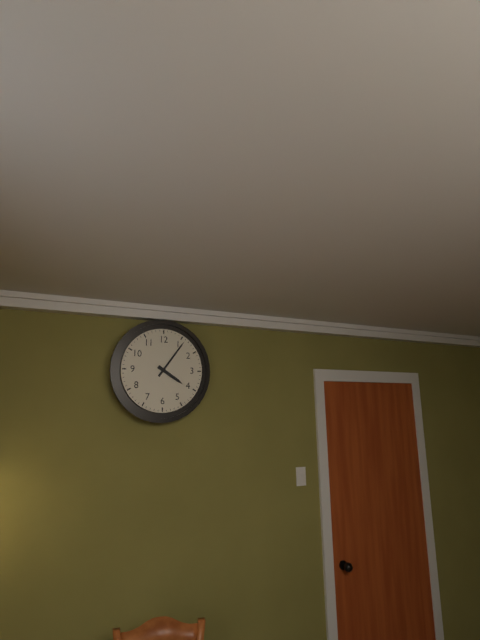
4:06
